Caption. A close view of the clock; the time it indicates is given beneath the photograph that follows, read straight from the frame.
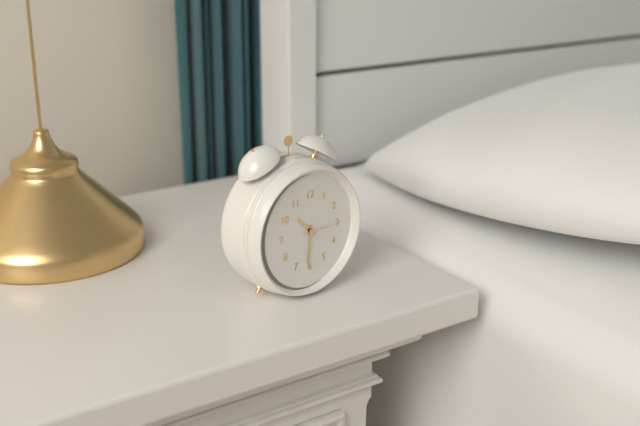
10:31
